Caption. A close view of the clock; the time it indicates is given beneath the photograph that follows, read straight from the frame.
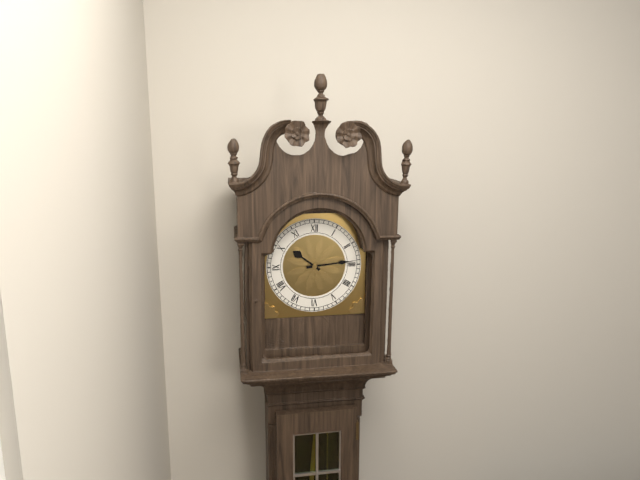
10:14
